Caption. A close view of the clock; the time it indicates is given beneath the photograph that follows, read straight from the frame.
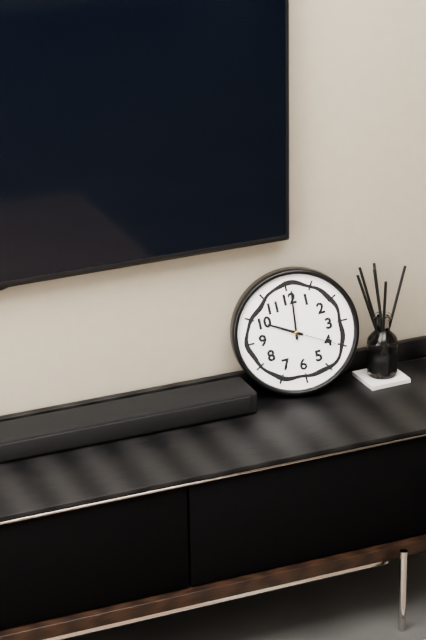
10:01:20
